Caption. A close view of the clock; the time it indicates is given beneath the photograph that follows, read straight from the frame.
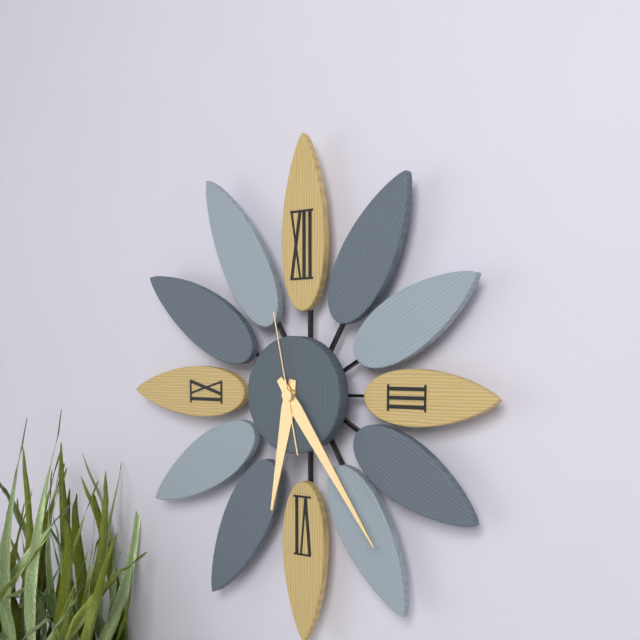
6:24:58
